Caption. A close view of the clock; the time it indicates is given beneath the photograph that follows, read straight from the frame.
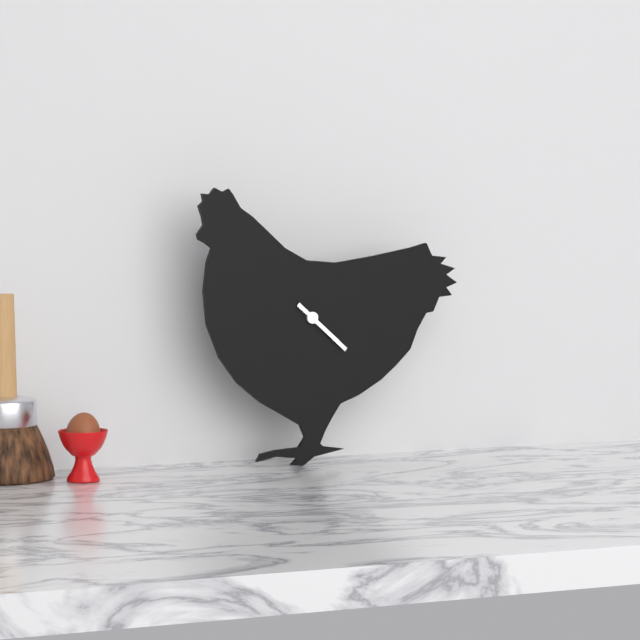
4:22
